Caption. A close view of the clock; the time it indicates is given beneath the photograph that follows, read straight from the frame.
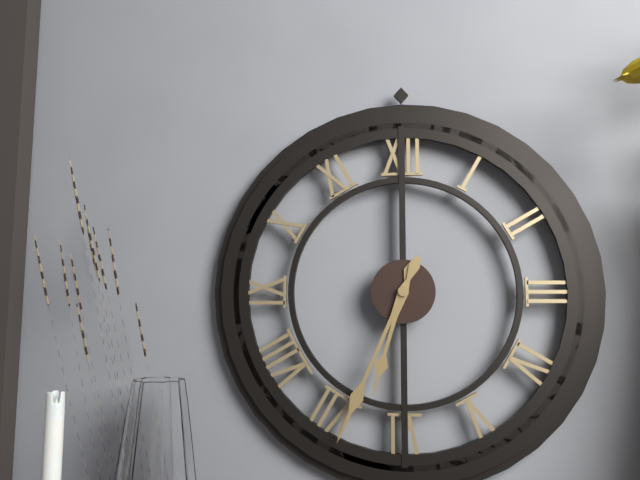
6:34
